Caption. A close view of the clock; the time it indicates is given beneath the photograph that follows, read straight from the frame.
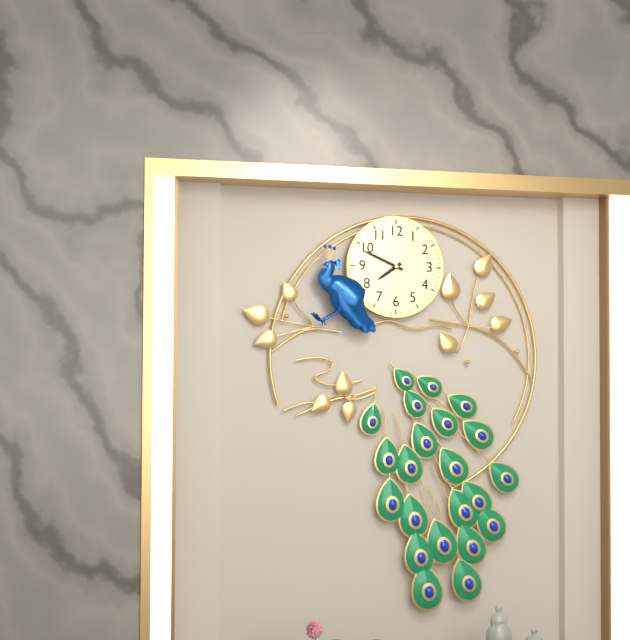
7:49
